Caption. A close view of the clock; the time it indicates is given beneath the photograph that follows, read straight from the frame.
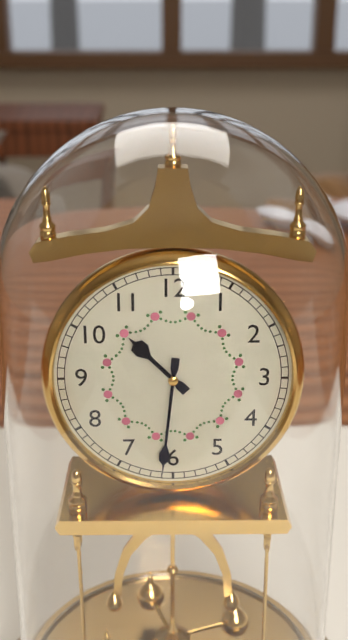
10:31
